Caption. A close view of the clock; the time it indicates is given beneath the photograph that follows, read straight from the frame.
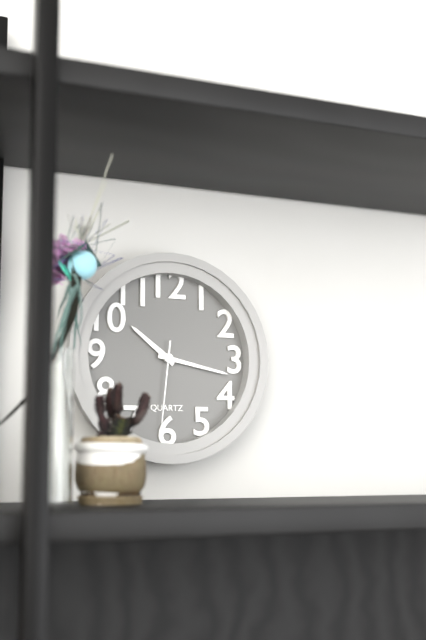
10:17:31
